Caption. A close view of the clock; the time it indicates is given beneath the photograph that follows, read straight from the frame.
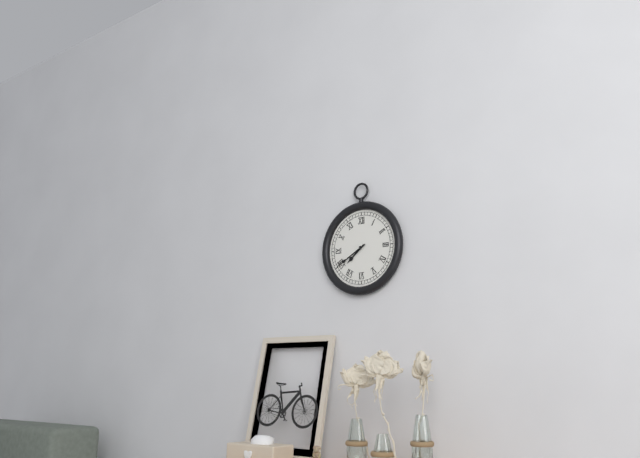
7:40
